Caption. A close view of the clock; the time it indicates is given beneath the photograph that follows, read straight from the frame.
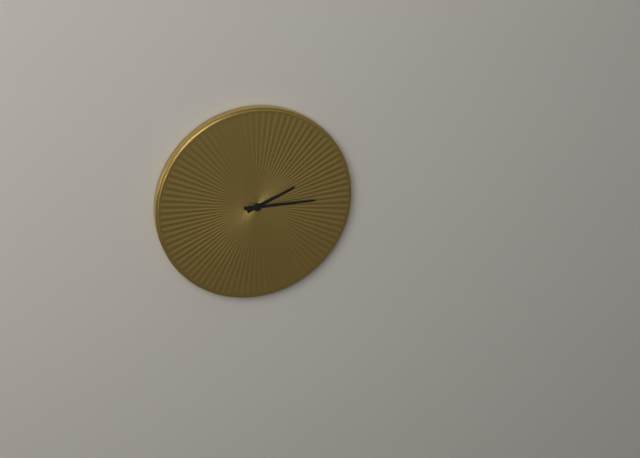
2:15
